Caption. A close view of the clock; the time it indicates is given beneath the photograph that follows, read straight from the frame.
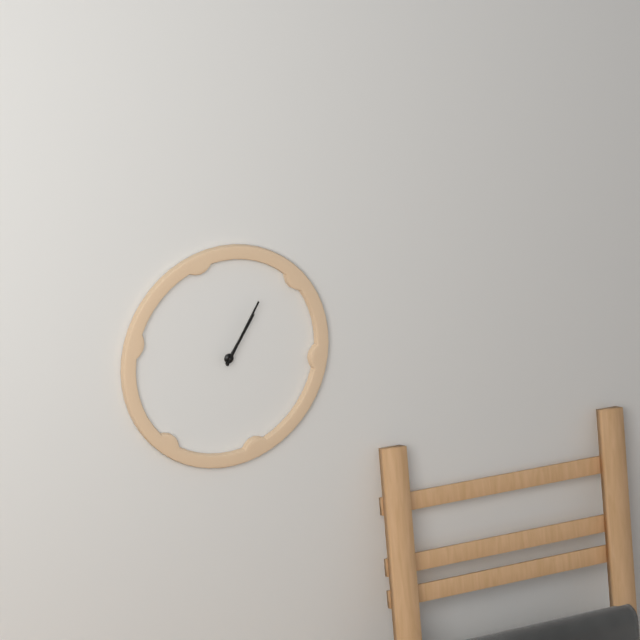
1:05
